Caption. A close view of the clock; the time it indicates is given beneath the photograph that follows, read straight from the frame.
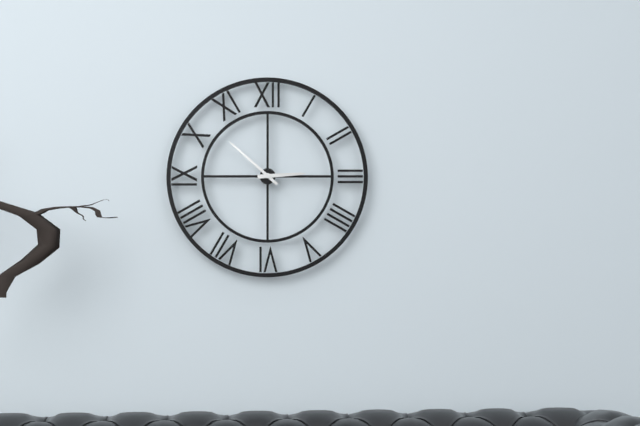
2:52
